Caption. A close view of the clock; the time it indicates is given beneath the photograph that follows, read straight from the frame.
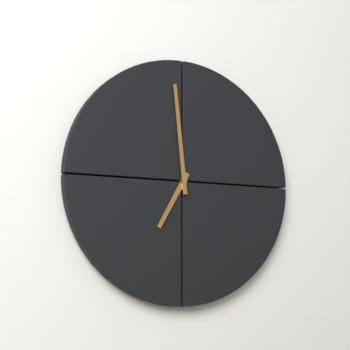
6:59
